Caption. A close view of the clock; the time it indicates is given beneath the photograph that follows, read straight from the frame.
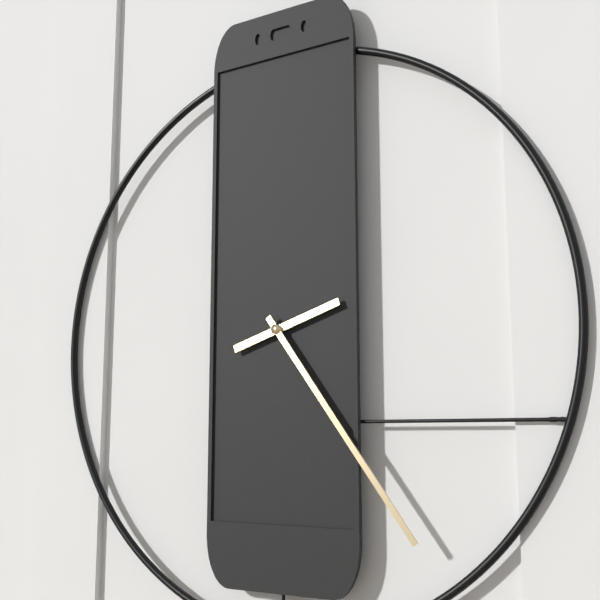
2:24
